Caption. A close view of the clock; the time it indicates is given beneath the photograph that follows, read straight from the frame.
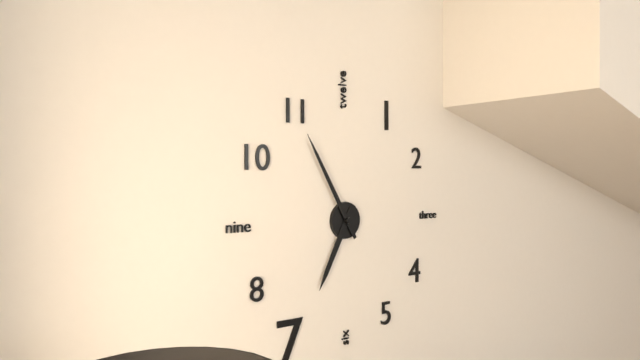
6:55
